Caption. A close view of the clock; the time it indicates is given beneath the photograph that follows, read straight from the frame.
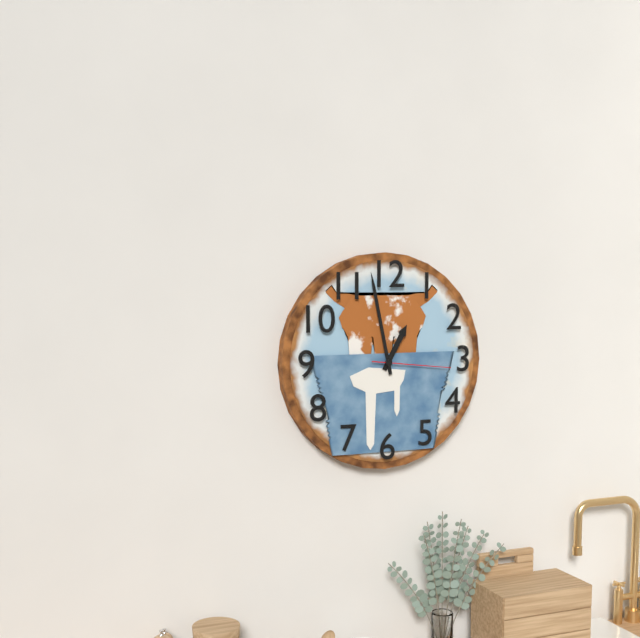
12:58:16
